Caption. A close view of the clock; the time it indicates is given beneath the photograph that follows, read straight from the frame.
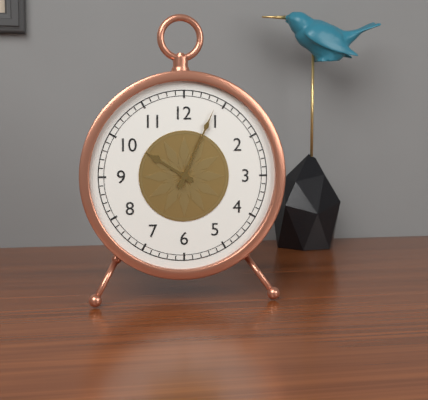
10:04
